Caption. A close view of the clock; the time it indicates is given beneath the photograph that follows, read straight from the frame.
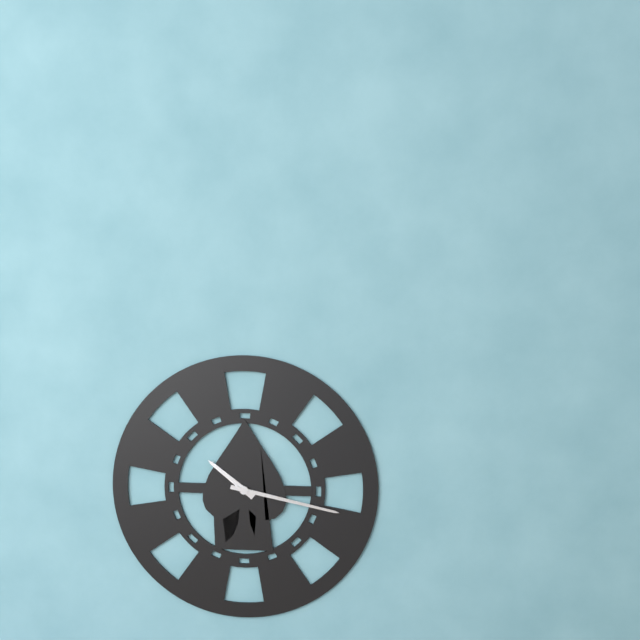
10:17
